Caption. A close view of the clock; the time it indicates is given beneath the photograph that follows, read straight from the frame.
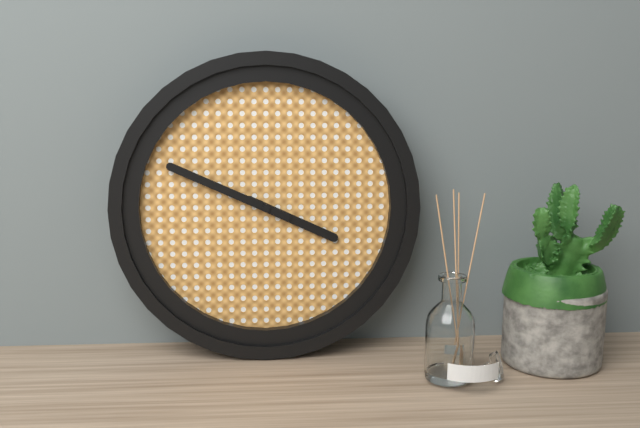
3:49
